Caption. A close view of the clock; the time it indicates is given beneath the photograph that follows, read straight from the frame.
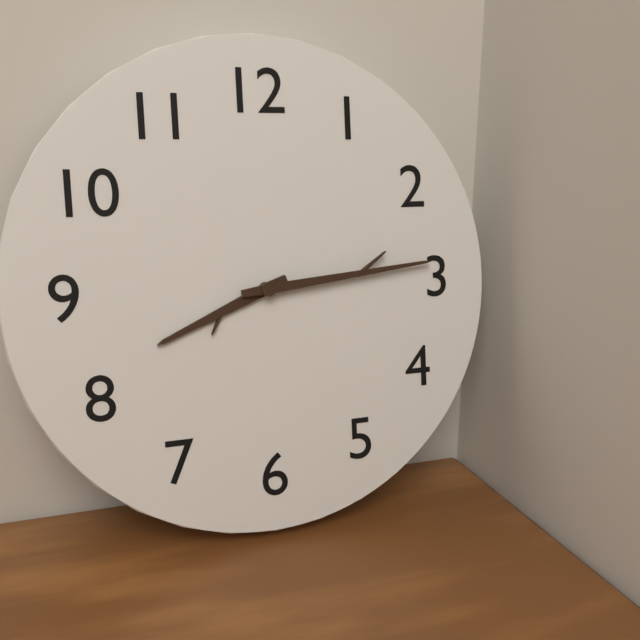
8:14
